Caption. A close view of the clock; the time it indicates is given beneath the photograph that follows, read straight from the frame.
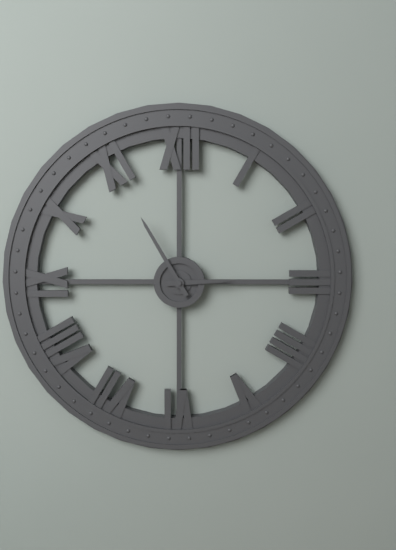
2:55
